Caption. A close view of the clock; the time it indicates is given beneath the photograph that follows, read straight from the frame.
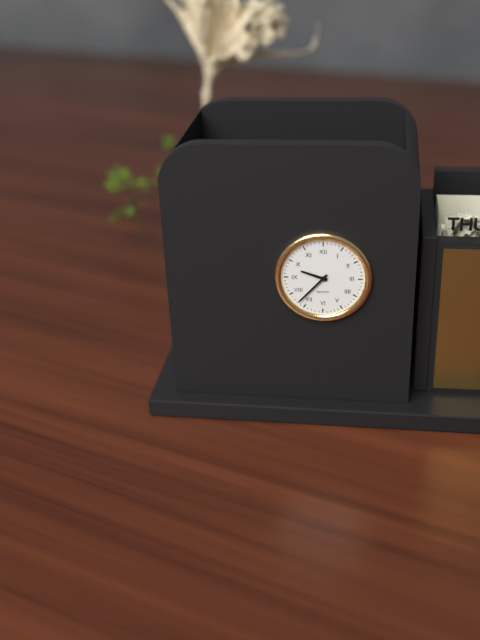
9:37
